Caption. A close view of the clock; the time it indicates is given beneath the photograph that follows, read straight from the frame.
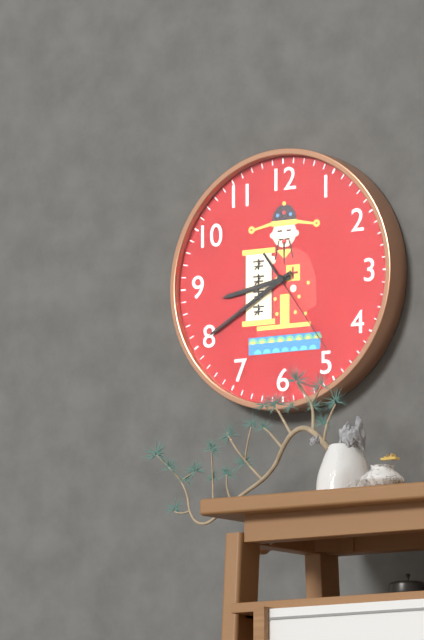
8:40:24
